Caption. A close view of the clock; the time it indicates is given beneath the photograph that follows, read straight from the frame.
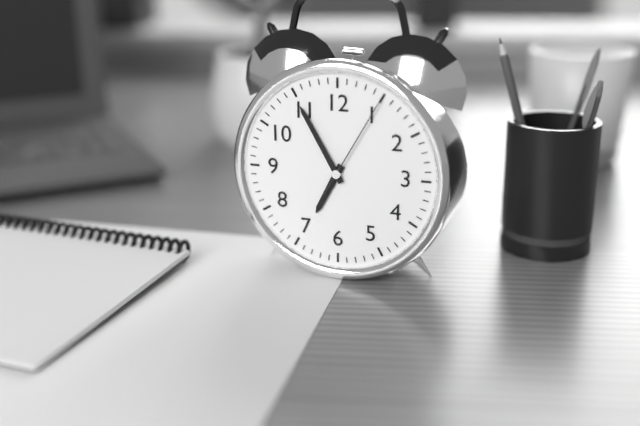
6:55:05
